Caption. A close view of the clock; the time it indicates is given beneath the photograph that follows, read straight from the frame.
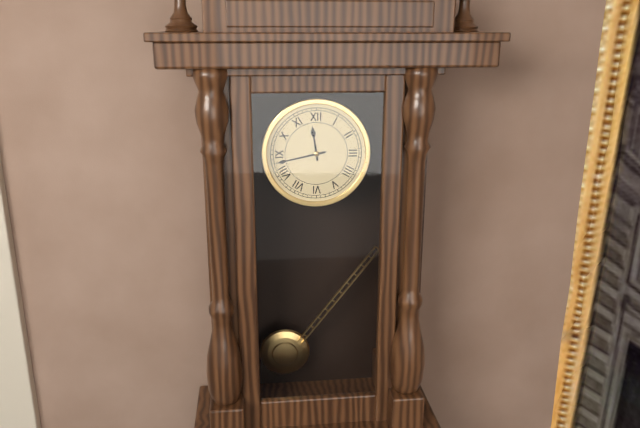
11:43
